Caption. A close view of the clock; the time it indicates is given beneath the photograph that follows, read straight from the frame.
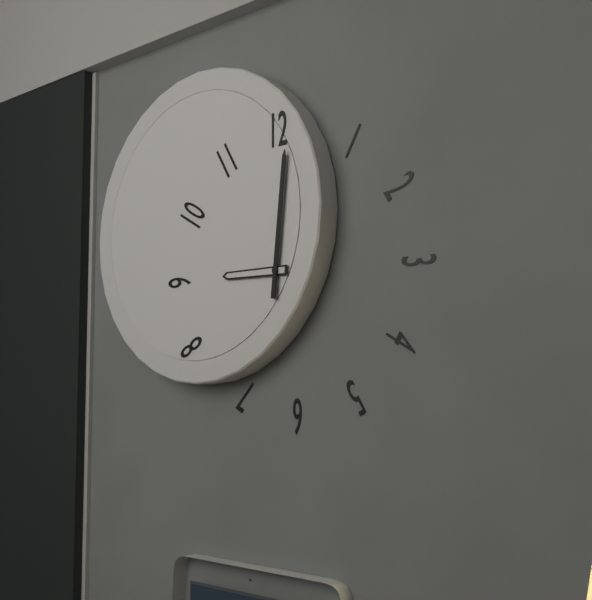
9:01
